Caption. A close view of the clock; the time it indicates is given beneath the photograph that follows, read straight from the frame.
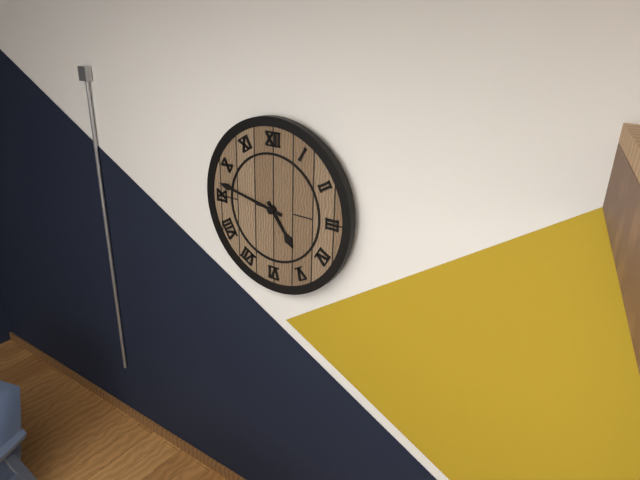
4:47
